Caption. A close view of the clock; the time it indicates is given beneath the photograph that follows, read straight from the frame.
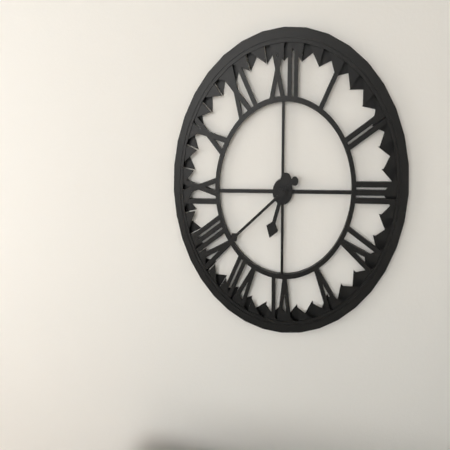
6:39
